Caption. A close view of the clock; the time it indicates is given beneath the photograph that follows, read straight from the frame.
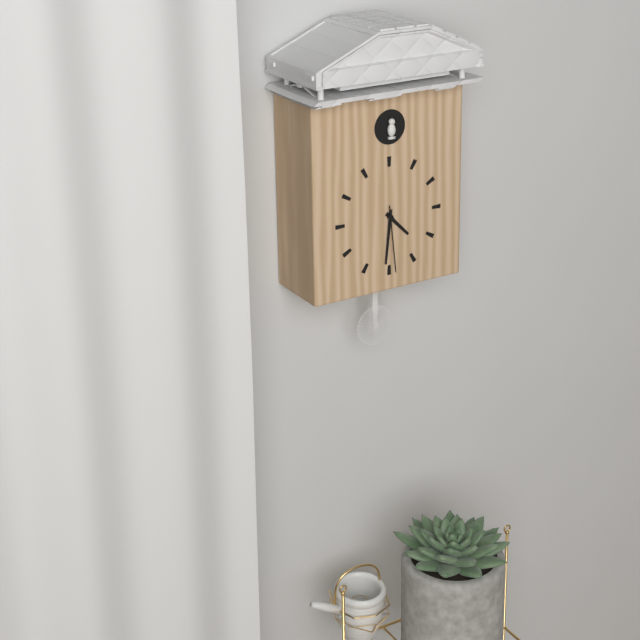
4:31:29
